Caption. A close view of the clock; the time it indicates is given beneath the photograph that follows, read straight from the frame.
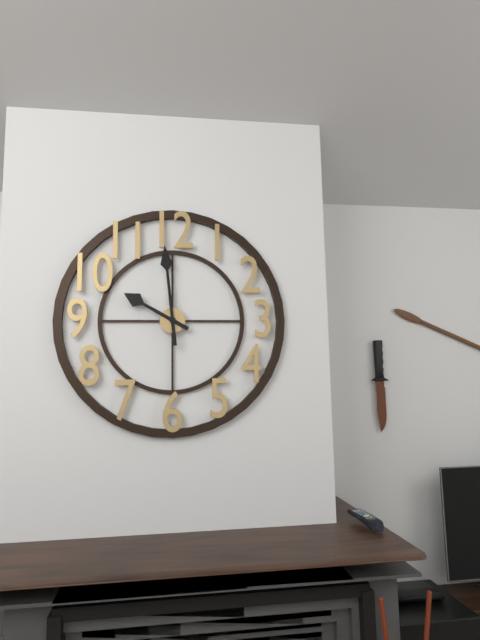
9:59
